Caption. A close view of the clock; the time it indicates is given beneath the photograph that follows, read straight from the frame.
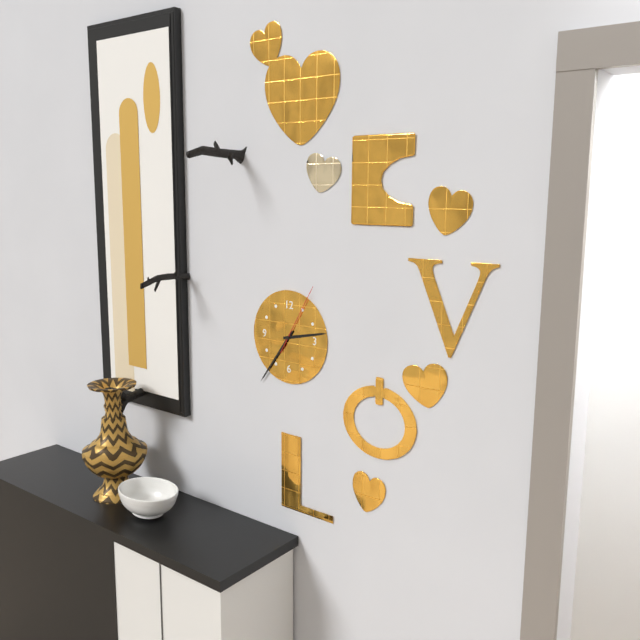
2:36:05
